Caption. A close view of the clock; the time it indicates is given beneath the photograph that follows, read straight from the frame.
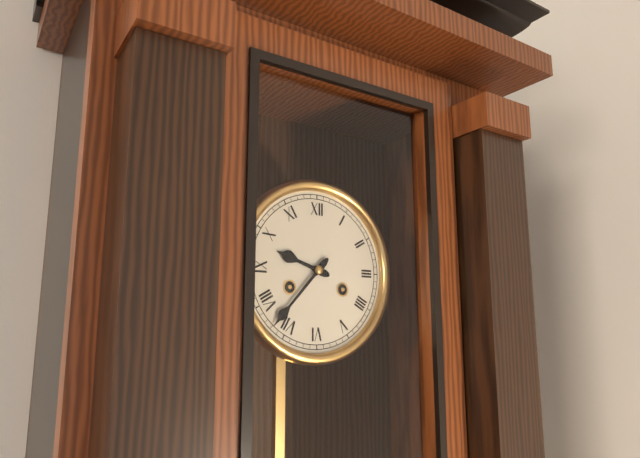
9:37
